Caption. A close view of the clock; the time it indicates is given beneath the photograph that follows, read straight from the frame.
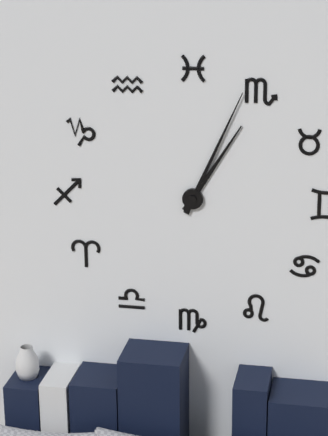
1:04
